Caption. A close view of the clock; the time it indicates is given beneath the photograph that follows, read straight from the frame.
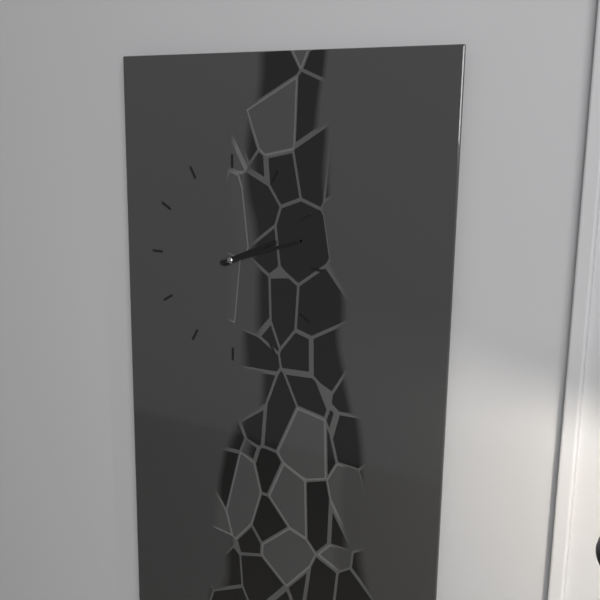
2:12
